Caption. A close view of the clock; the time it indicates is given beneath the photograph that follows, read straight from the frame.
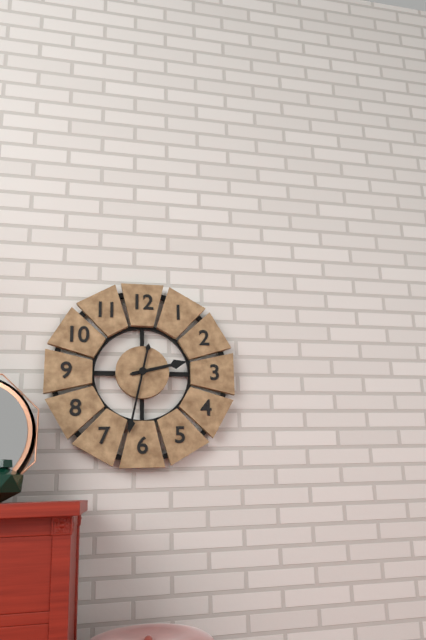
2:32
